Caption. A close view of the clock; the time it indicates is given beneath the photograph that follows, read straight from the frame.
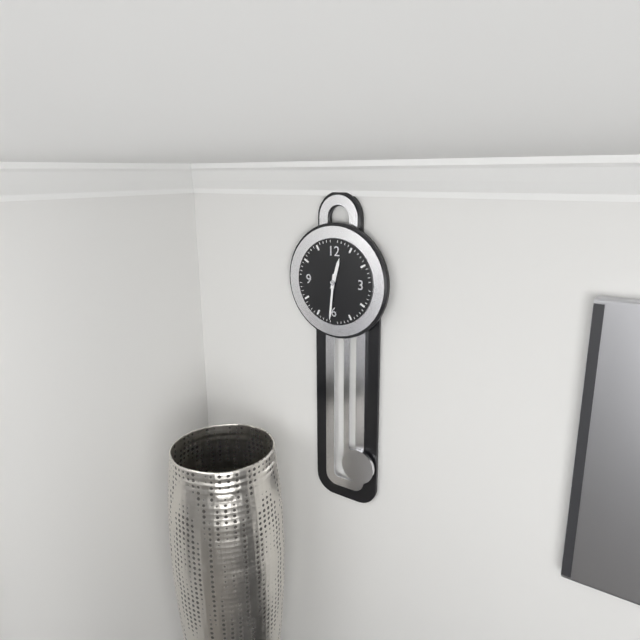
12:31
